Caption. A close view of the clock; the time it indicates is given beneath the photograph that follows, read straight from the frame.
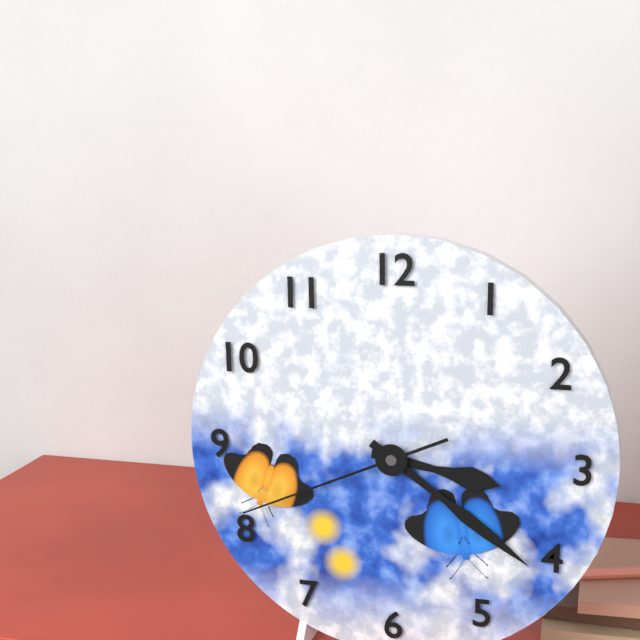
3:21:41
